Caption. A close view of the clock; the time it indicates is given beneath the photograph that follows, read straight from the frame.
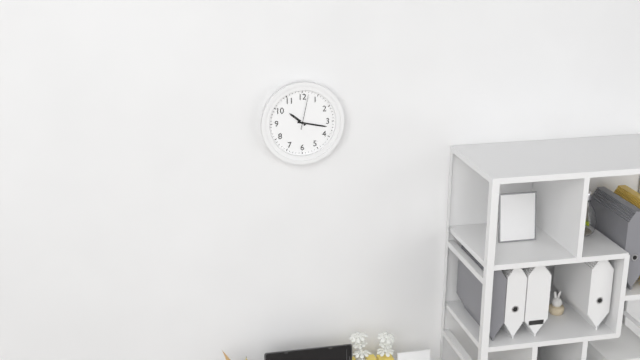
10:17
